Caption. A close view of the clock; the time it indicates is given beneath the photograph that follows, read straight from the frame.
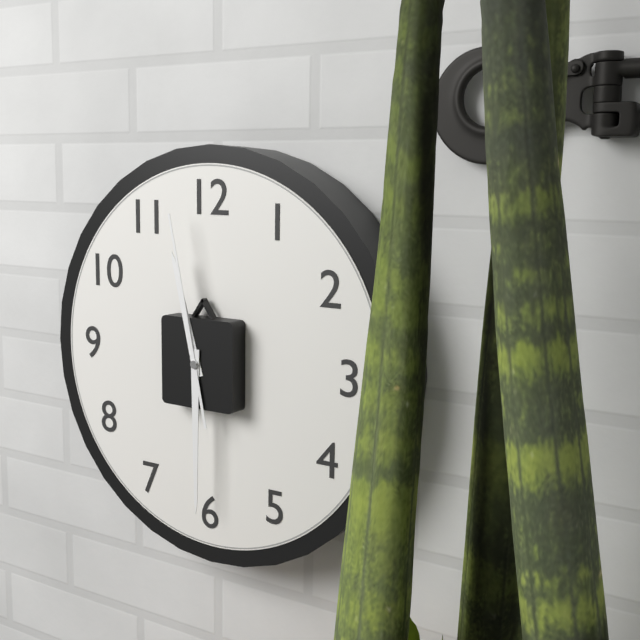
11:30:58
